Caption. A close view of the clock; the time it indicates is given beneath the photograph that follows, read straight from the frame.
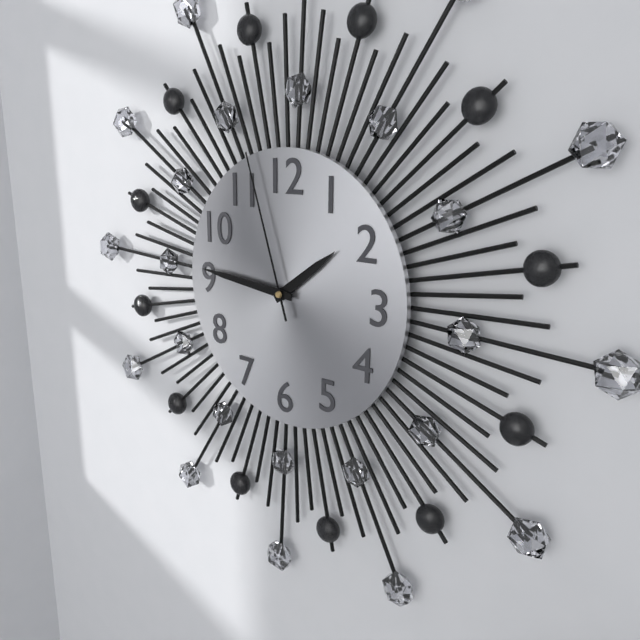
1:46:57
